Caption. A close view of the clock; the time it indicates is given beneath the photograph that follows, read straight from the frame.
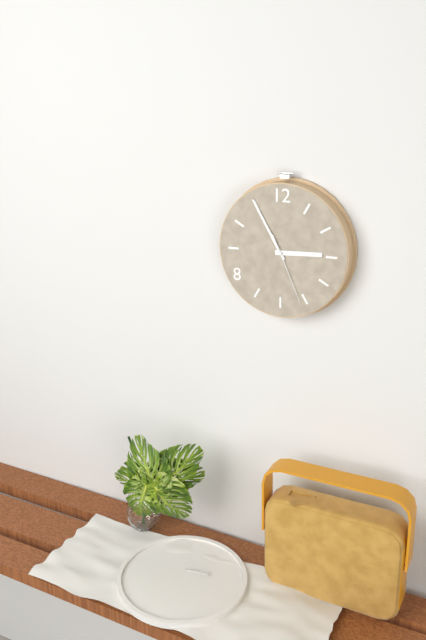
2:55:26
